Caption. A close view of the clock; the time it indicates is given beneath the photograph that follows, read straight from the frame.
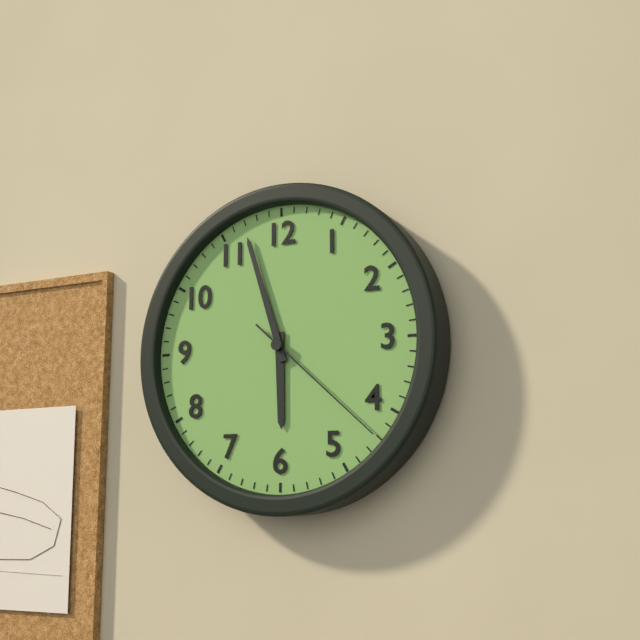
5:57:22
